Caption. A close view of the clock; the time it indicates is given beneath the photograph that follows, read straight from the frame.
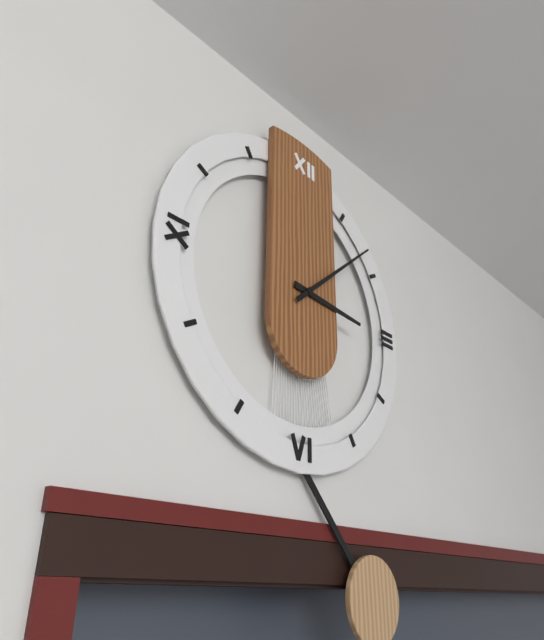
3:08
